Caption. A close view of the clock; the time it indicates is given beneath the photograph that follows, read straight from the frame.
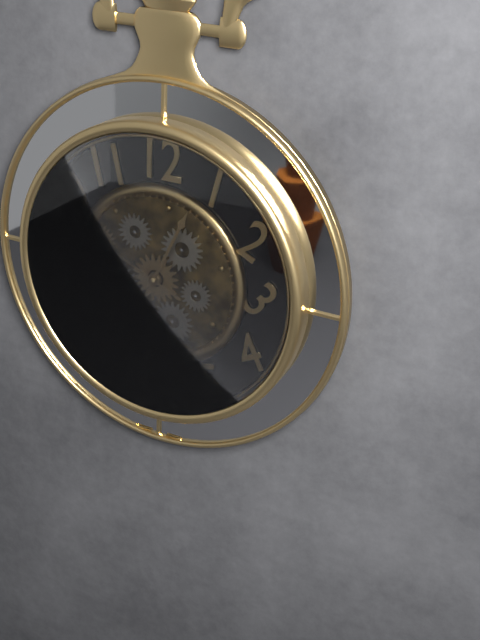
12:49
